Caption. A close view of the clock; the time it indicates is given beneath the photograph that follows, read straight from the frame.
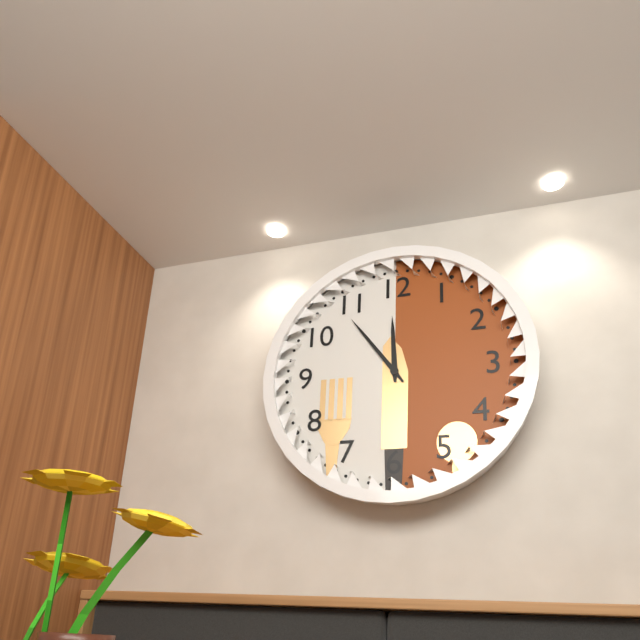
11:54
